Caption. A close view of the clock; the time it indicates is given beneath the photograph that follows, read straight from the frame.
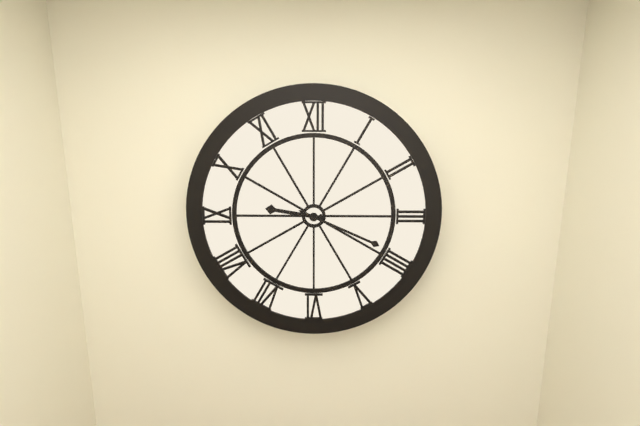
9:19
